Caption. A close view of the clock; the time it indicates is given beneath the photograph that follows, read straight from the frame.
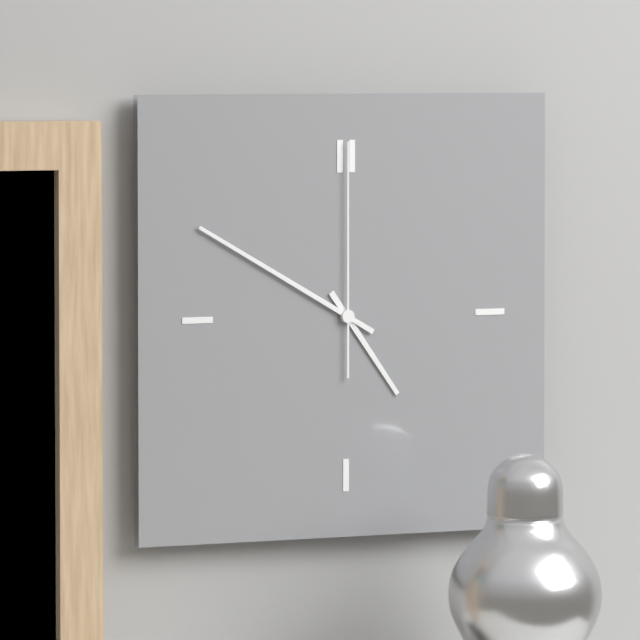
4:50:00
